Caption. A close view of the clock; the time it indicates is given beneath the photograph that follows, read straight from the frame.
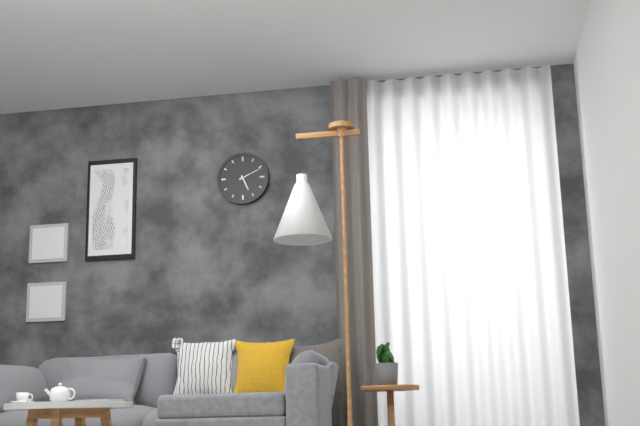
5:11
